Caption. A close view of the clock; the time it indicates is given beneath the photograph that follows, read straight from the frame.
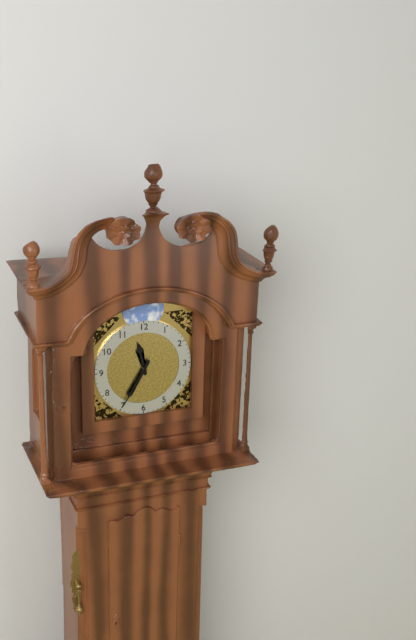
11:35
